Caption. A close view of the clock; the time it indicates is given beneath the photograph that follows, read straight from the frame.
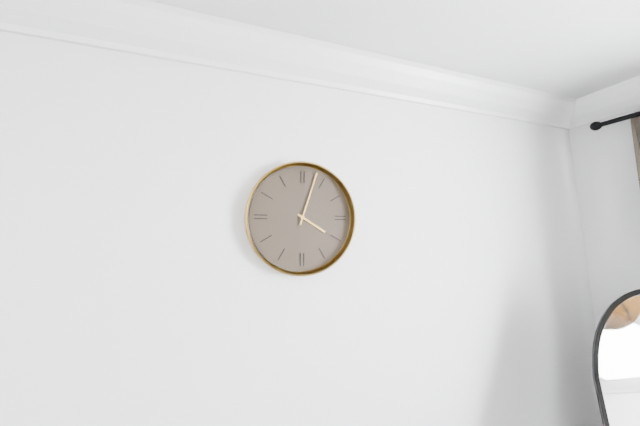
4:03
